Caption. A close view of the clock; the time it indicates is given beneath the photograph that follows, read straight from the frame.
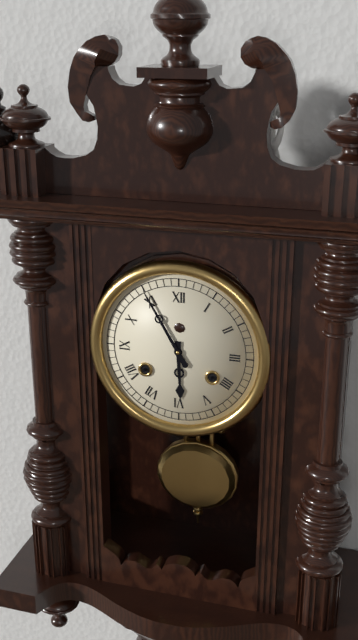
5:55
